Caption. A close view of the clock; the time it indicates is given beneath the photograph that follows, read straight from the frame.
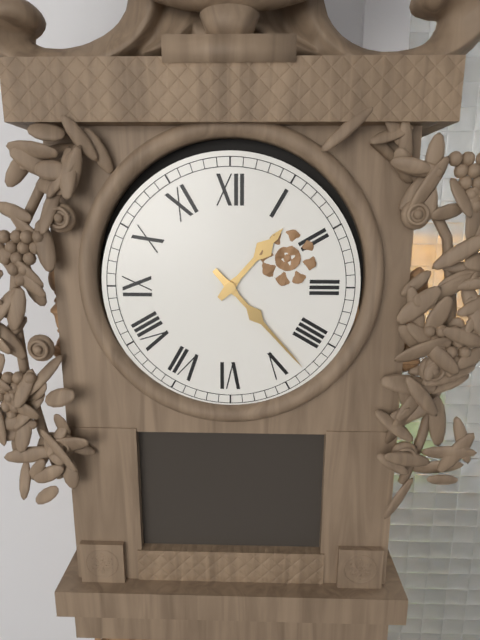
1:23
